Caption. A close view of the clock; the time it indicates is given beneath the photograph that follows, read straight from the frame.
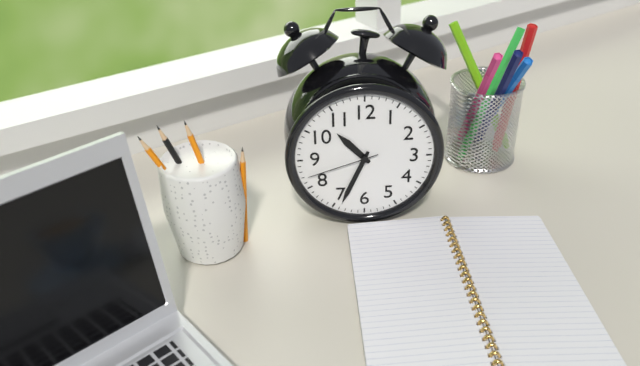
10:34:42
